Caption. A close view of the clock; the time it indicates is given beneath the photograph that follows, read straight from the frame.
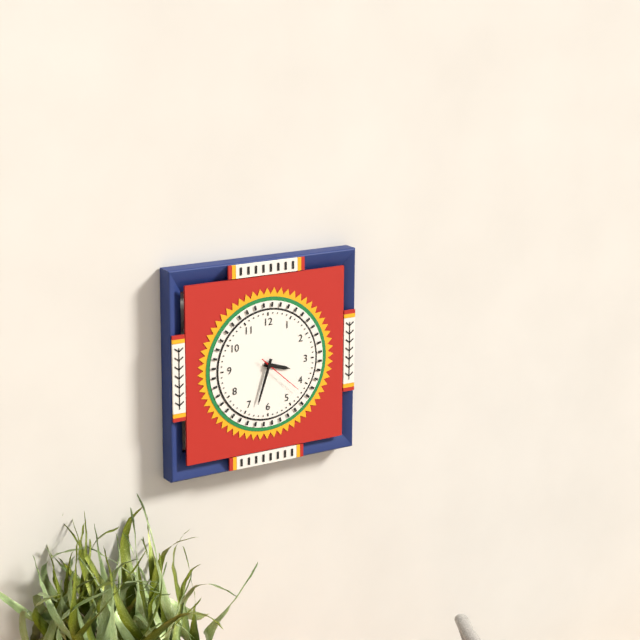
3:33
